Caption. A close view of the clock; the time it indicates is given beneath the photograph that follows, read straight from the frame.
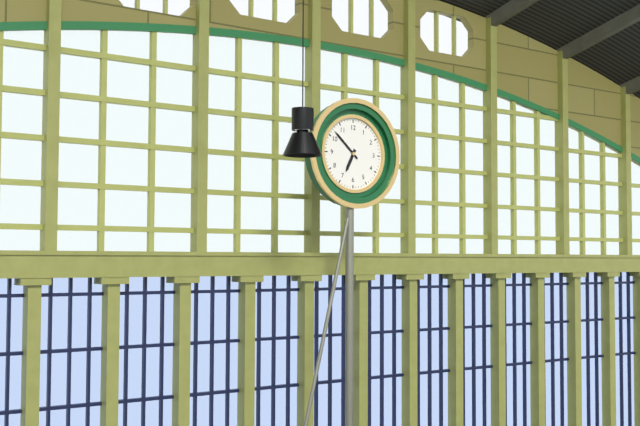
6:52
